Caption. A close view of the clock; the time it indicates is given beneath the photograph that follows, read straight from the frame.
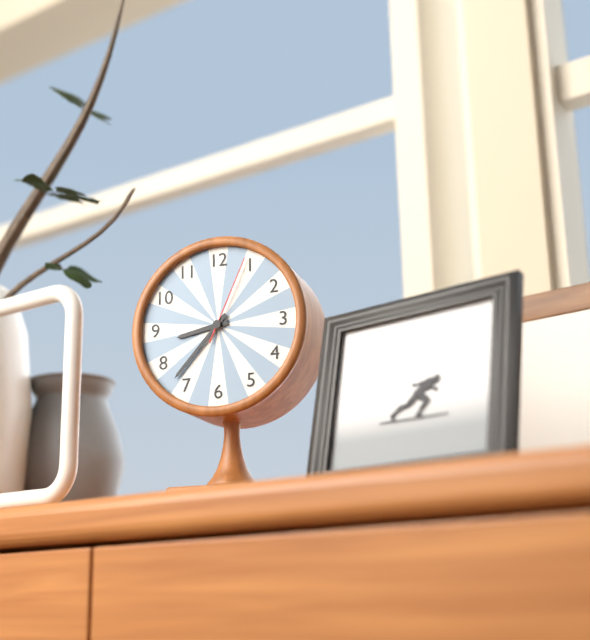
8:37:04
